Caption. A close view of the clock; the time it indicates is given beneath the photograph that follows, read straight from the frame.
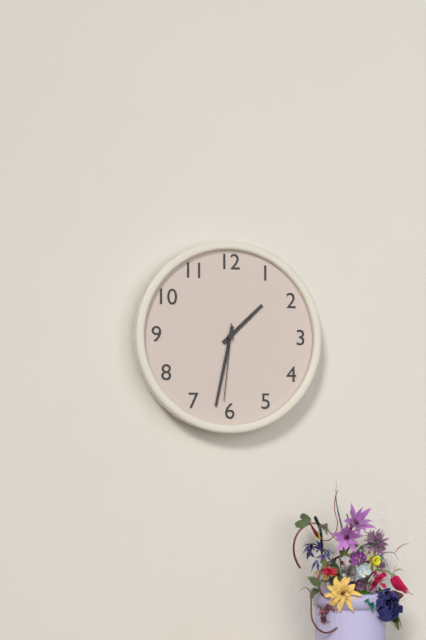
1:32:31
